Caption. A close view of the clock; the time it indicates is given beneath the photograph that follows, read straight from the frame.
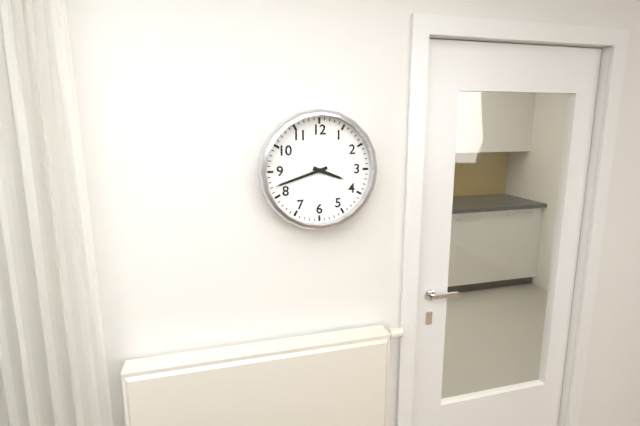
3:42
